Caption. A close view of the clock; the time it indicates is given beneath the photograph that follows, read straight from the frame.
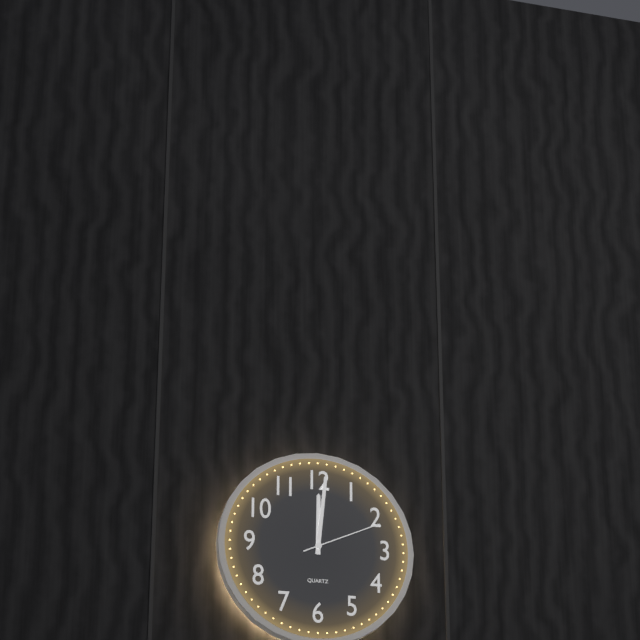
12:01:11
